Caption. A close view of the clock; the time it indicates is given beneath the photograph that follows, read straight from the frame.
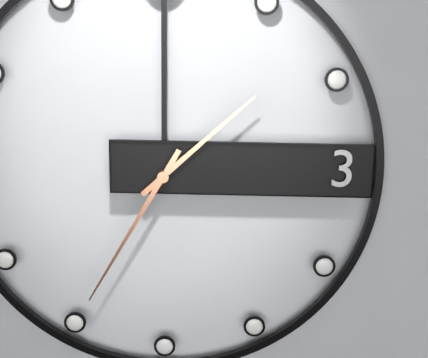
1:35
